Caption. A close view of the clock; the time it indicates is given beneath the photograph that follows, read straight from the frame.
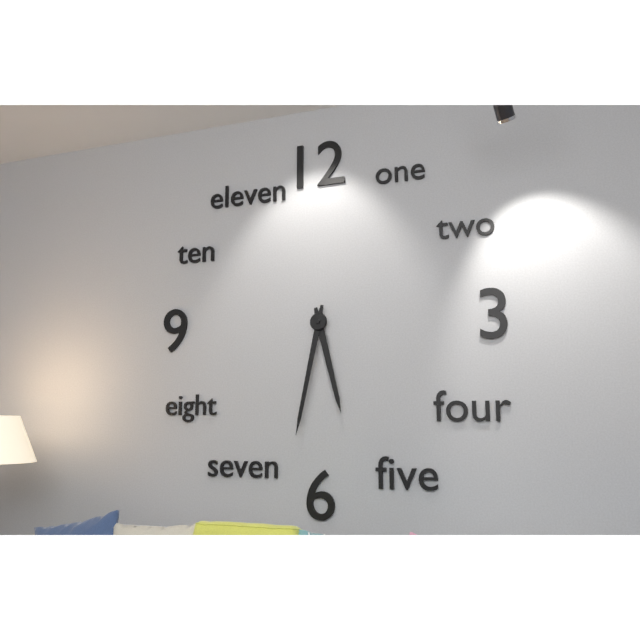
5:32
